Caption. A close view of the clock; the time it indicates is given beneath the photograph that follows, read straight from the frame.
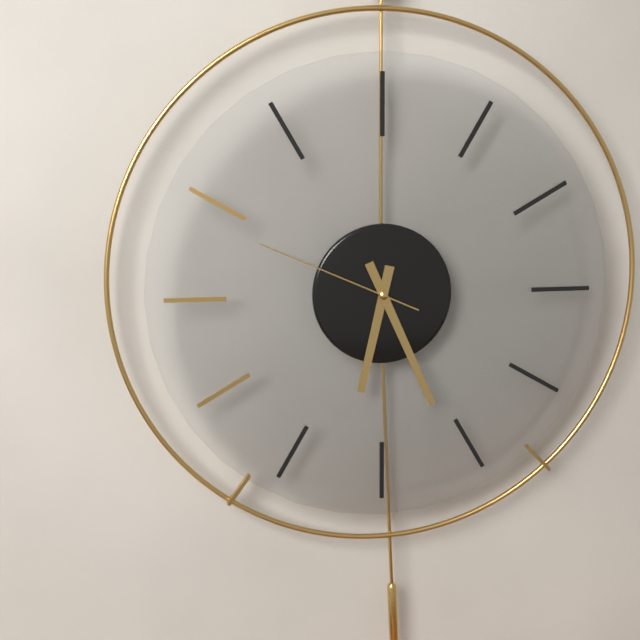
6:26:49
